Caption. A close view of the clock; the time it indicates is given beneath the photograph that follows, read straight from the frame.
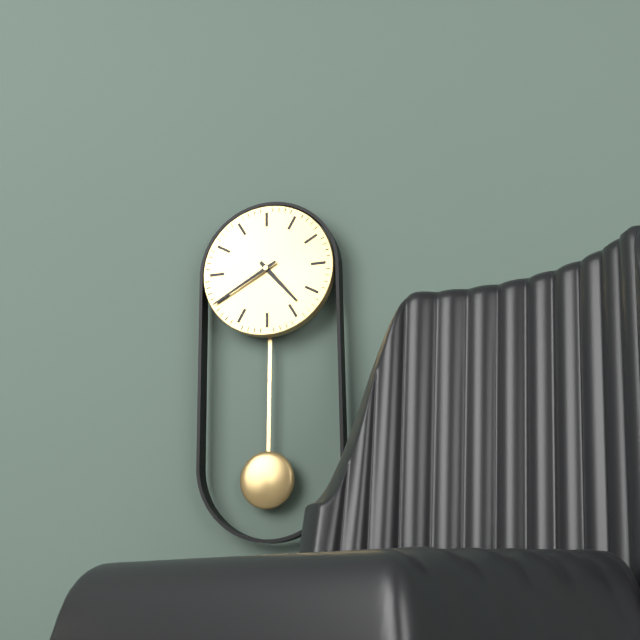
4:40
